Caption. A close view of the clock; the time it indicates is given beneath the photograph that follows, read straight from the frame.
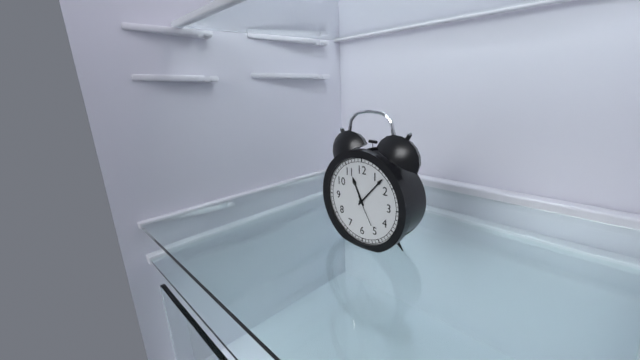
11:07
